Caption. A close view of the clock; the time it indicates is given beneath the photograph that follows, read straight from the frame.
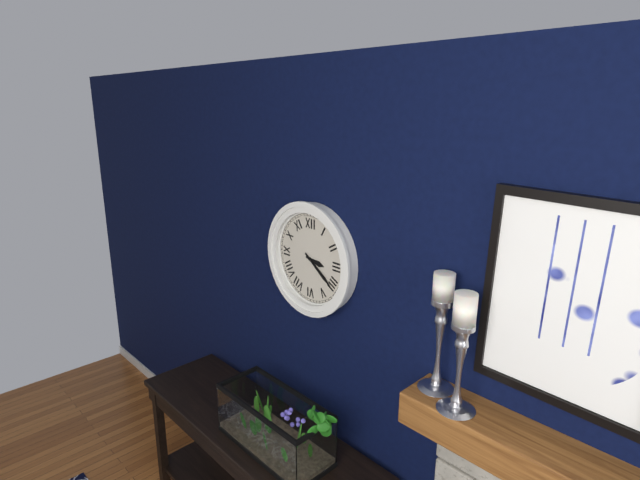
3:21
